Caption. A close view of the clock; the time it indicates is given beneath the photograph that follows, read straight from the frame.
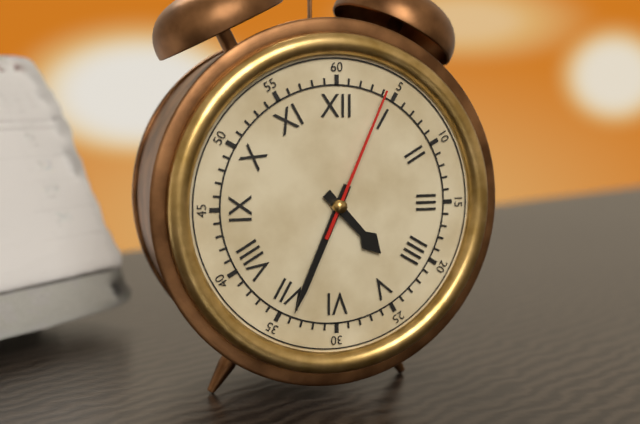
4:34:04
